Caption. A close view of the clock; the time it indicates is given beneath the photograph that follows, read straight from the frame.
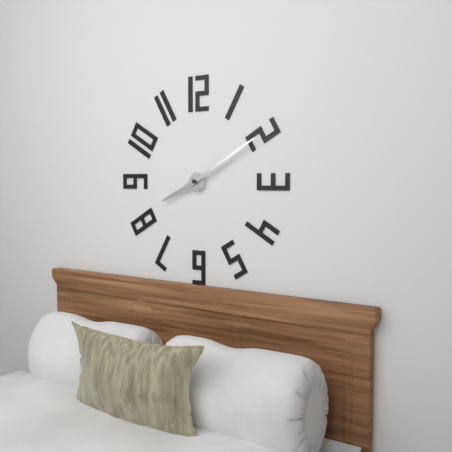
8:10
